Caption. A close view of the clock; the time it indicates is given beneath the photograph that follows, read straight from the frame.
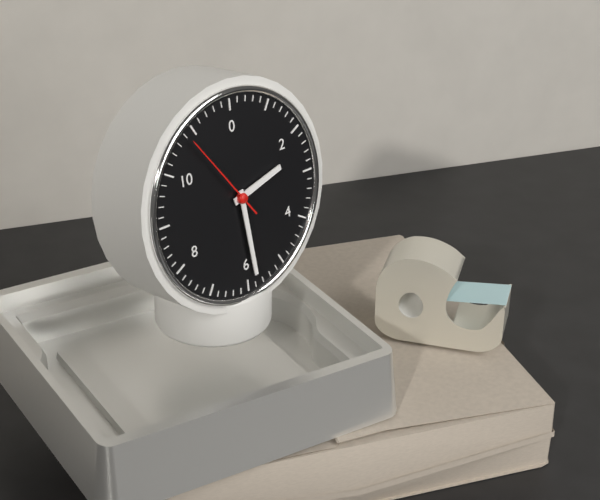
2:29:54
